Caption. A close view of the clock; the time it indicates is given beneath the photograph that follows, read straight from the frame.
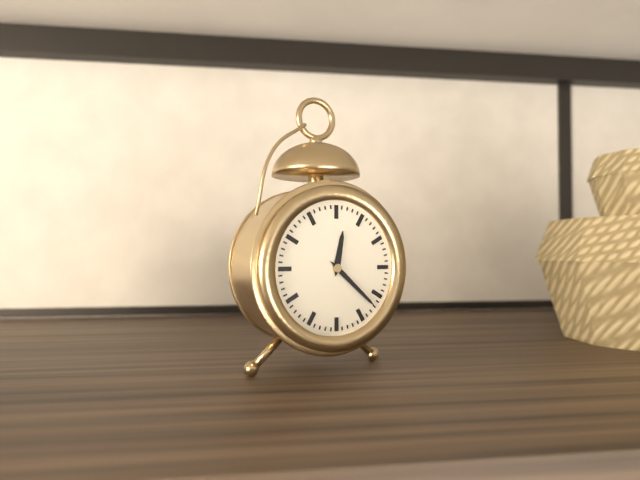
12:22
